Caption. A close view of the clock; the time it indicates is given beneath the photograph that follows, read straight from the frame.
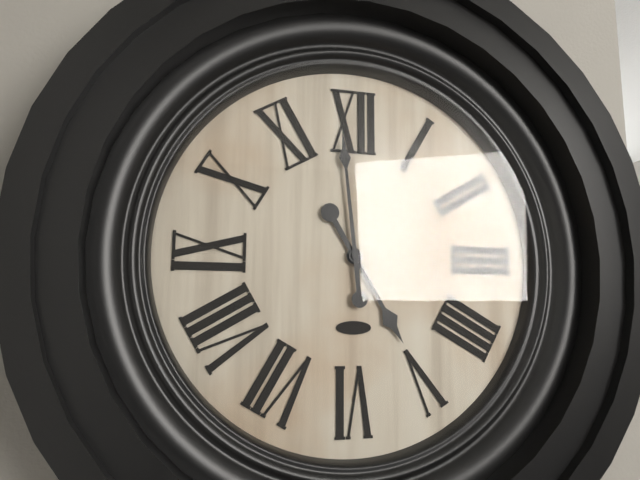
4:59
